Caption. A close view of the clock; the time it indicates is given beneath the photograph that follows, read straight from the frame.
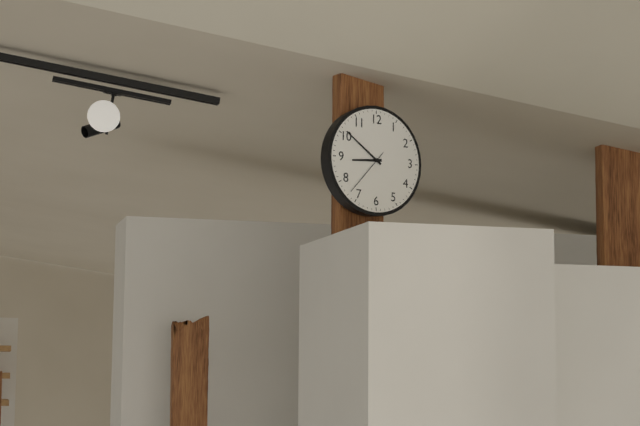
8:51:37
